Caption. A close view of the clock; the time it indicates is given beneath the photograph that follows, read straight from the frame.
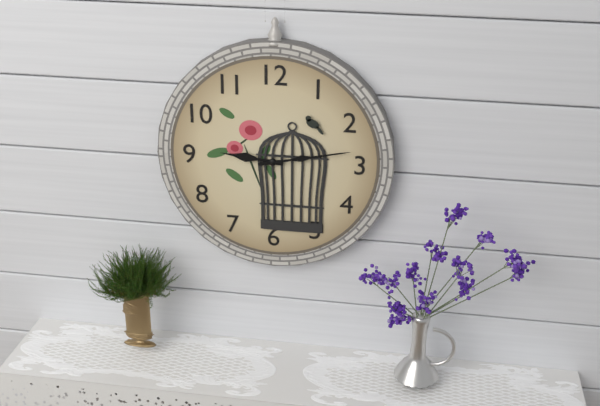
9:13
